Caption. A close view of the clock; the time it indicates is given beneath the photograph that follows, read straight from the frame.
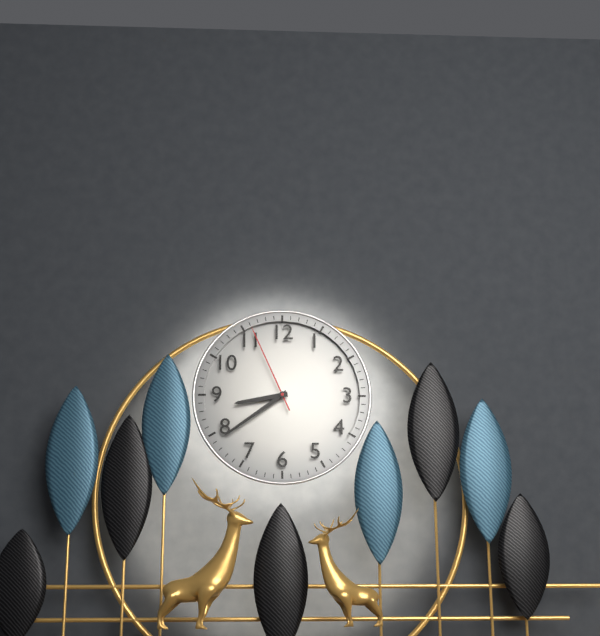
8:39:56
